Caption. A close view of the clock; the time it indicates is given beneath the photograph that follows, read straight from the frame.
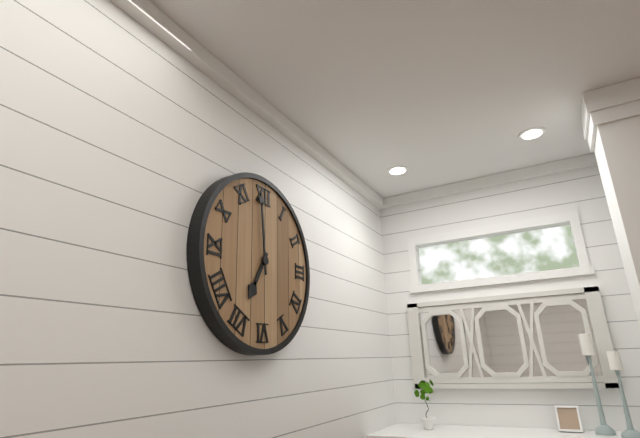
6:59
